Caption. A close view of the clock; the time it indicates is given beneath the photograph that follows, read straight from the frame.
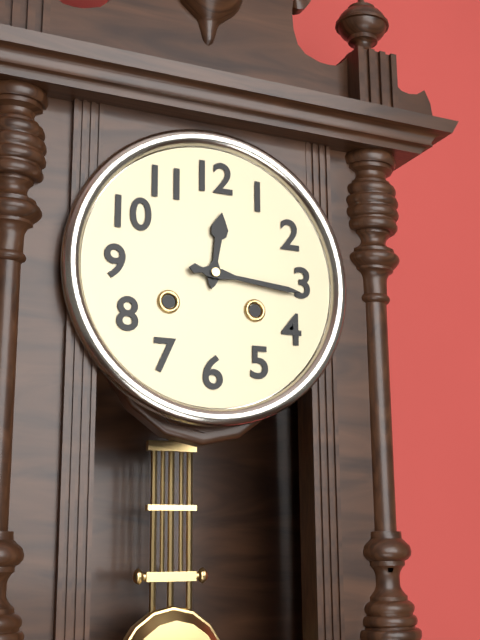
12:16
